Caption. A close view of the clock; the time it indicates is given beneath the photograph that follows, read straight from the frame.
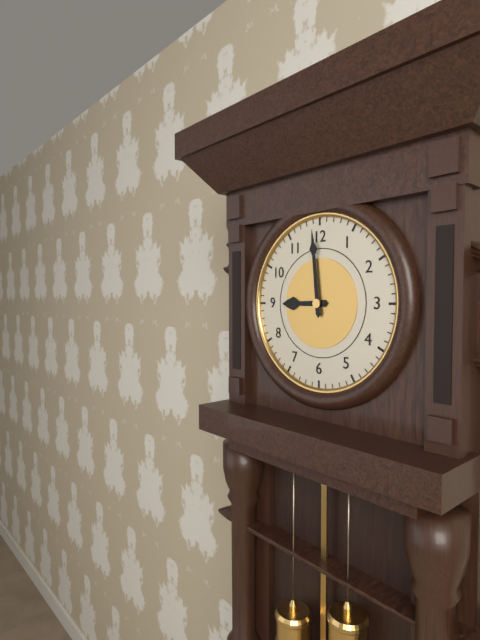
8:59
